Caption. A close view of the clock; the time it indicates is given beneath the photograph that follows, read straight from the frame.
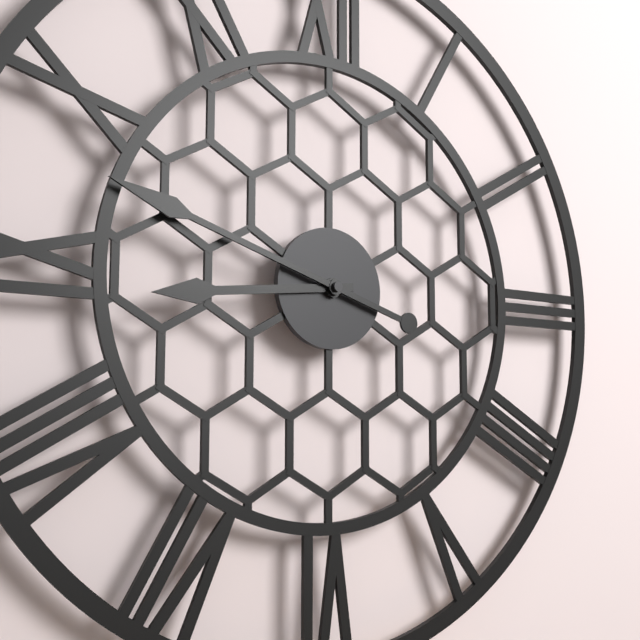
8:48
